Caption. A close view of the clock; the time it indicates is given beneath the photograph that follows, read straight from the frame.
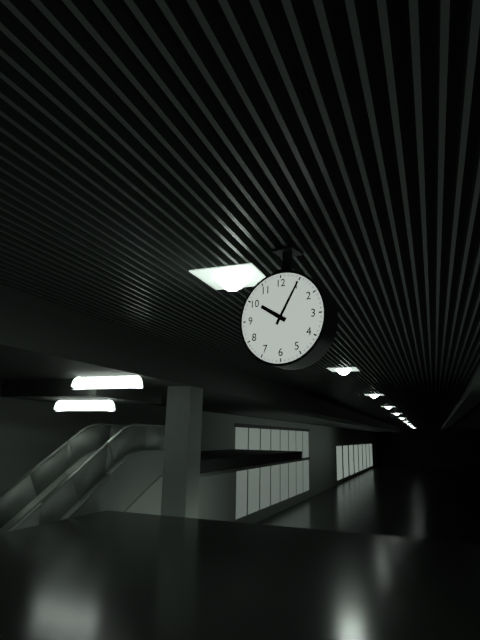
10:05
